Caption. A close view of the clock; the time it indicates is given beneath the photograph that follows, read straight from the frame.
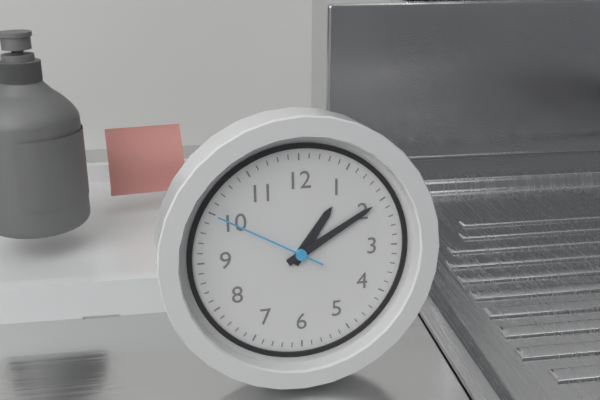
1:10:50
